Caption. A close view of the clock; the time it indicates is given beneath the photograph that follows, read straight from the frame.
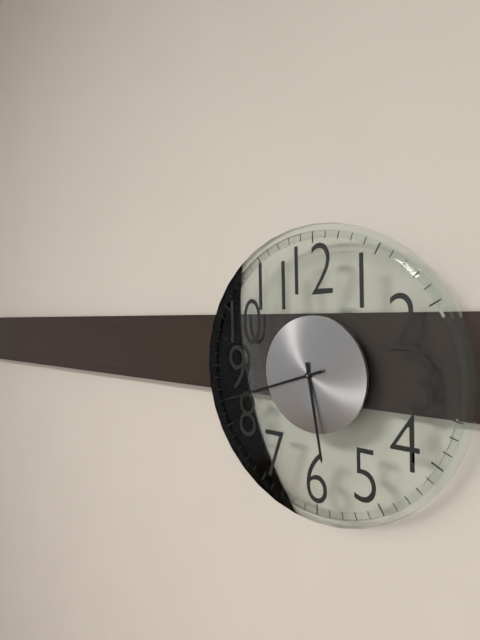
5:42
